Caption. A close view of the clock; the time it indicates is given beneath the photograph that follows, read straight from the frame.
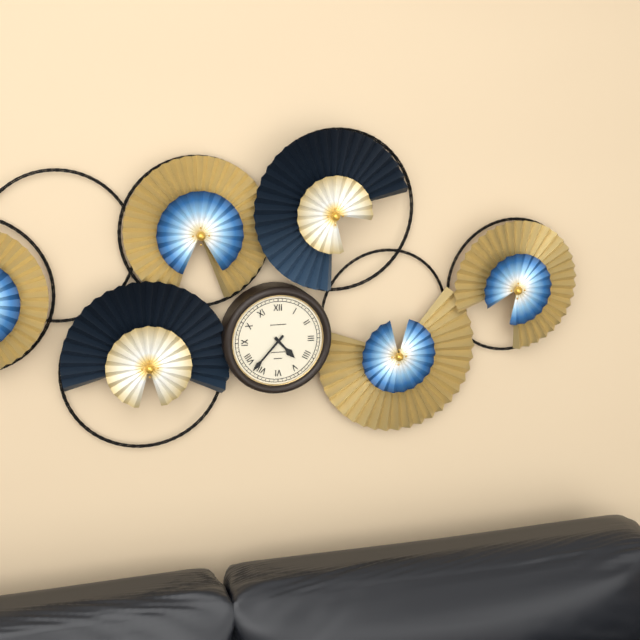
4:37
